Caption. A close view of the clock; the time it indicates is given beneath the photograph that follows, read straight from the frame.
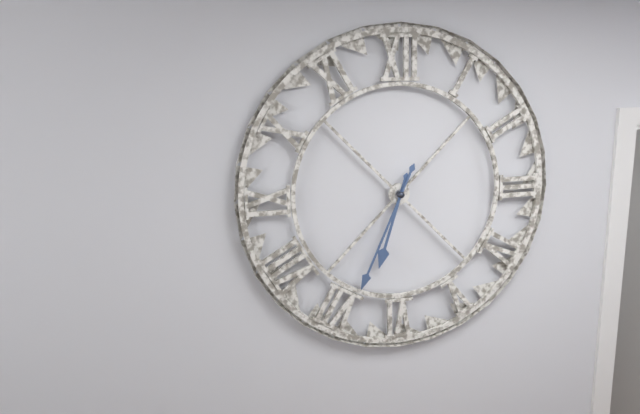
6:34
